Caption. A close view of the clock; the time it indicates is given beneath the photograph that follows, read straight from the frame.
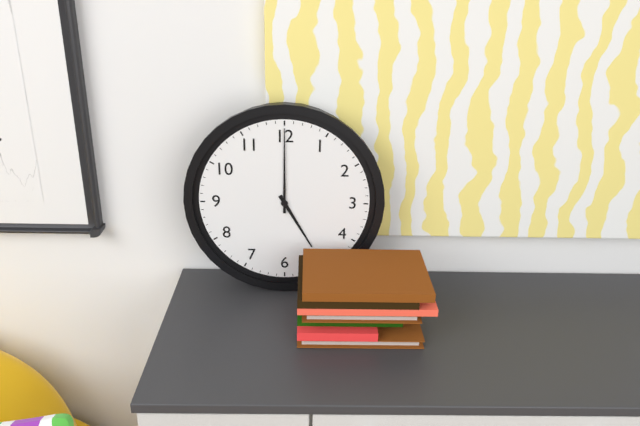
5:00
